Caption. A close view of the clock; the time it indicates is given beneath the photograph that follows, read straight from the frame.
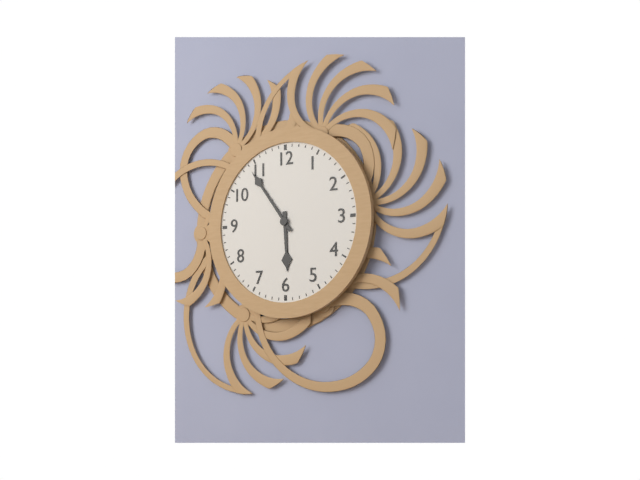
5:54
